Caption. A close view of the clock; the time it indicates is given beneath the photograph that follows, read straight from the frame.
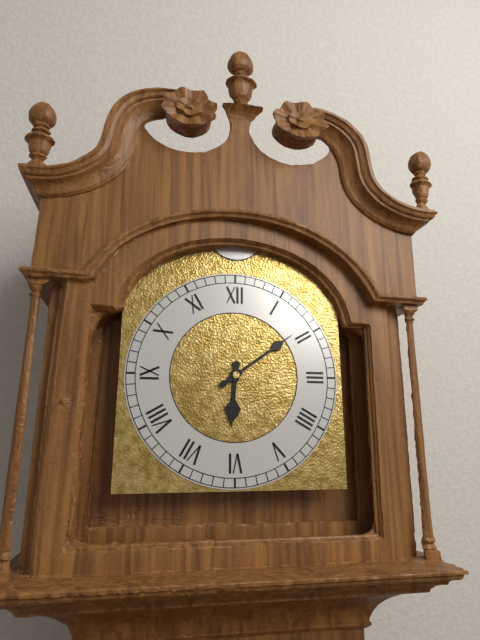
6:09
